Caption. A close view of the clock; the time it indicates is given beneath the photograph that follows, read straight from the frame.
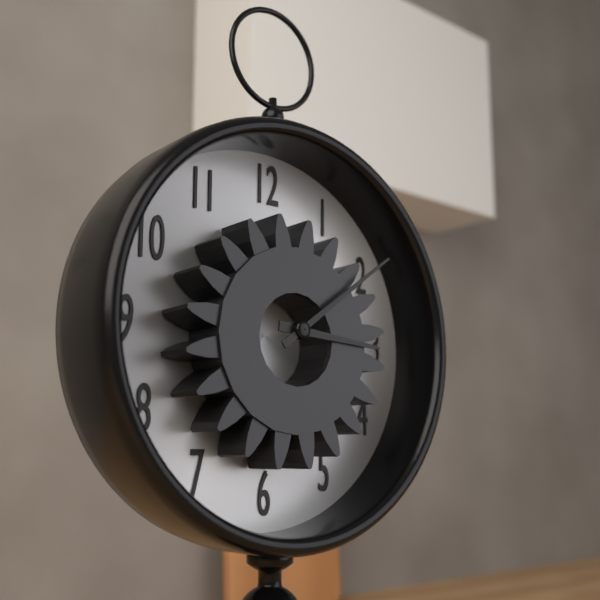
3:09
